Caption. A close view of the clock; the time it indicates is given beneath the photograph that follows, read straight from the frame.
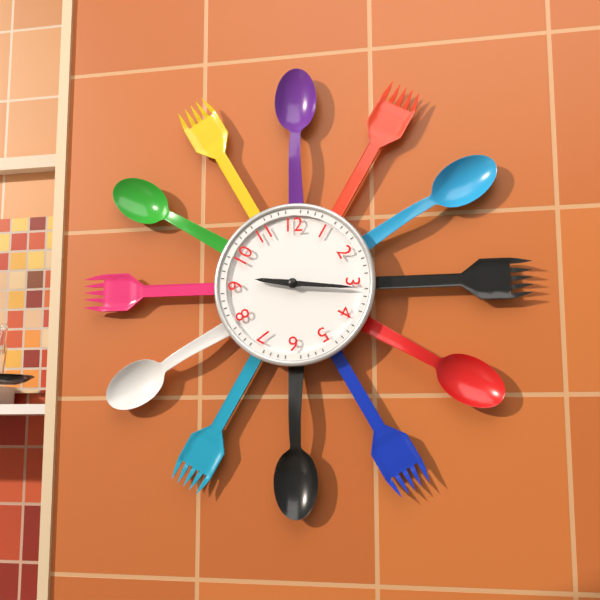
9:16
